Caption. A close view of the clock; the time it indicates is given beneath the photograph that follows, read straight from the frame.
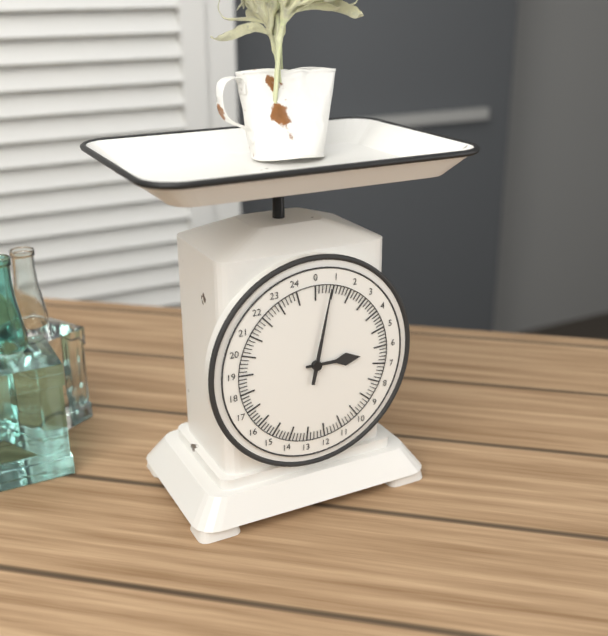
3:02
